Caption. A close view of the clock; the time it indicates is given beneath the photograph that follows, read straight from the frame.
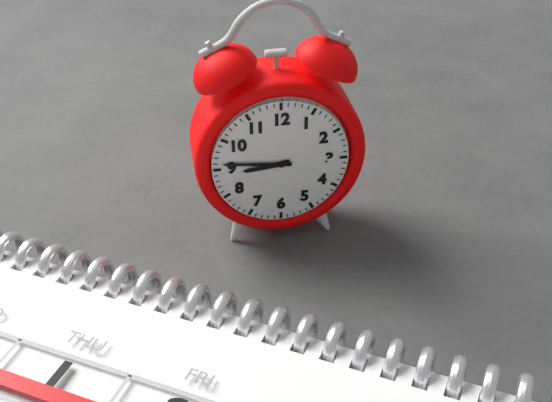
8:46
